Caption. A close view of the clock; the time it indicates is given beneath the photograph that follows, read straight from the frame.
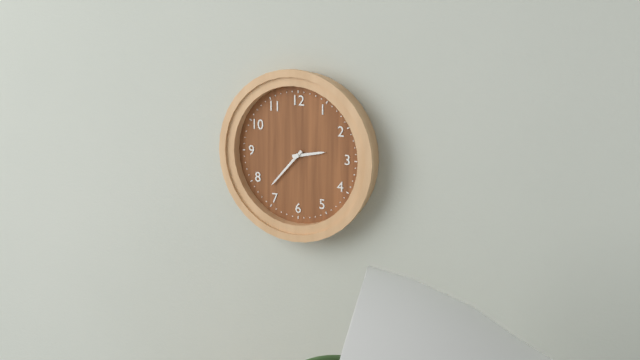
2:37
